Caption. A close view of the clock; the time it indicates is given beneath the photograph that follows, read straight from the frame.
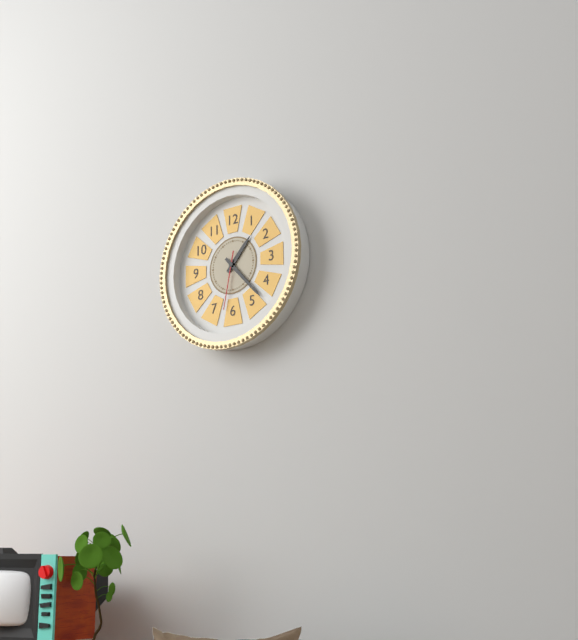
1:23:32
